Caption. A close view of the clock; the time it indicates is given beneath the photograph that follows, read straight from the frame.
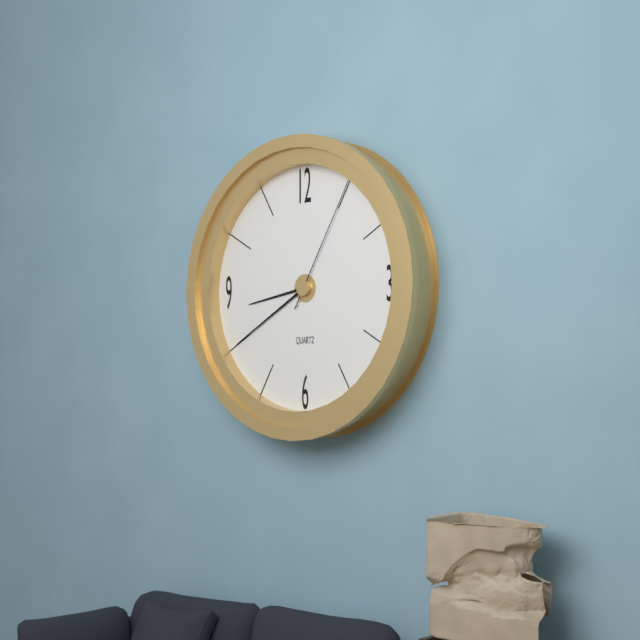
8:40:05
